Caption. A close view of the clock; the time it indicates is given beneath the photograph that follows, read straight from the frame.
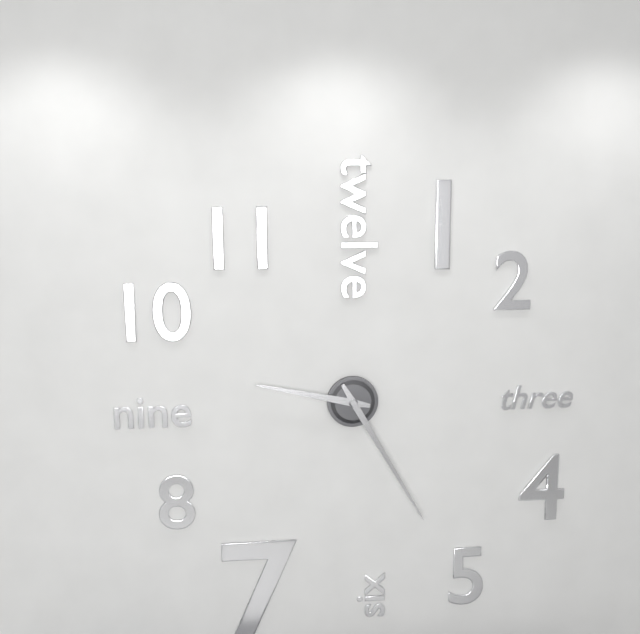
9:25
